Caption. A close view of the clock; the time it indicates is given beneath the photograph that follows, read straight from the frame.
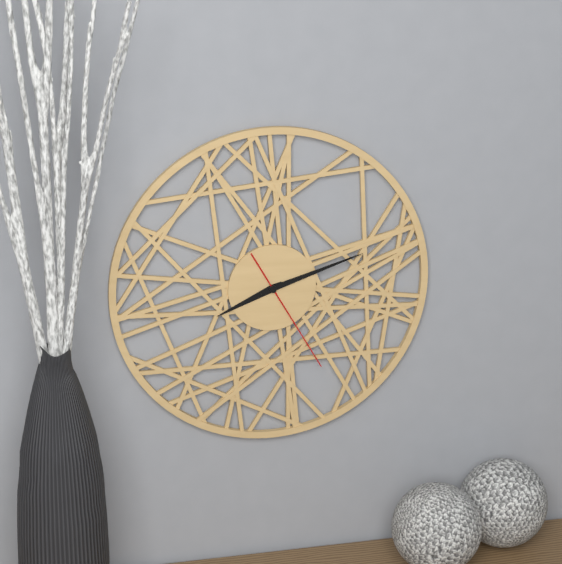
8:12:25
